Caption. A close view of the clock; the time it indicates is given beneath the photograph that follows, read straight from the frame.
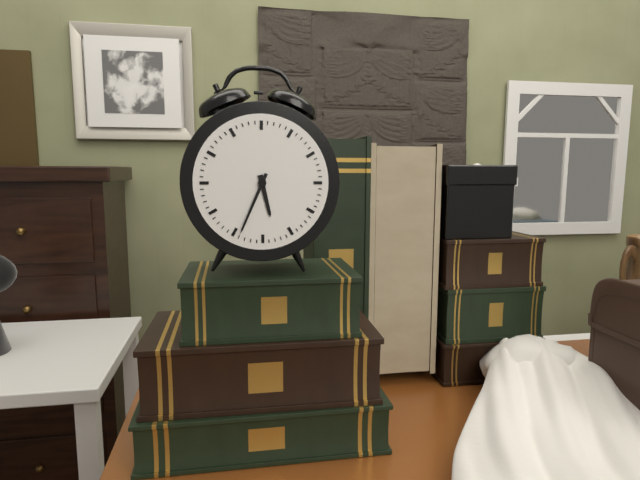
5:34
